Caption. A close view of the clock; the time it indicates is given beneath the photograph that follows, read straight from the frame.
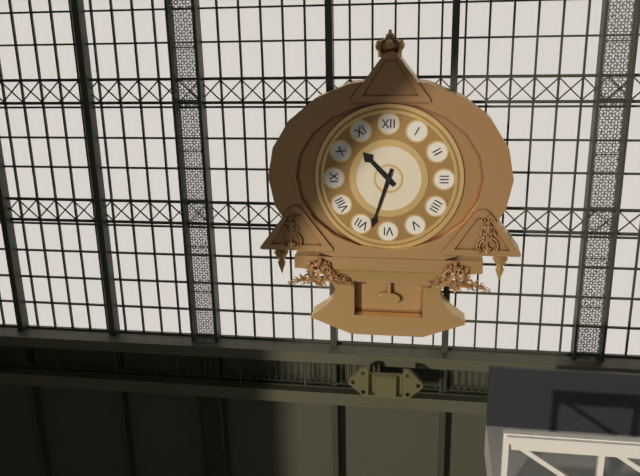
10:33
